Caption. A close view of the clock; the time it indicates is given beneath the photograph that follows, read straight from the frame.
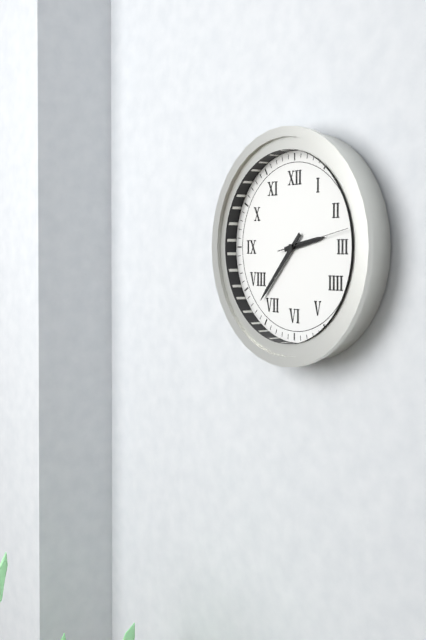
2:37:13
